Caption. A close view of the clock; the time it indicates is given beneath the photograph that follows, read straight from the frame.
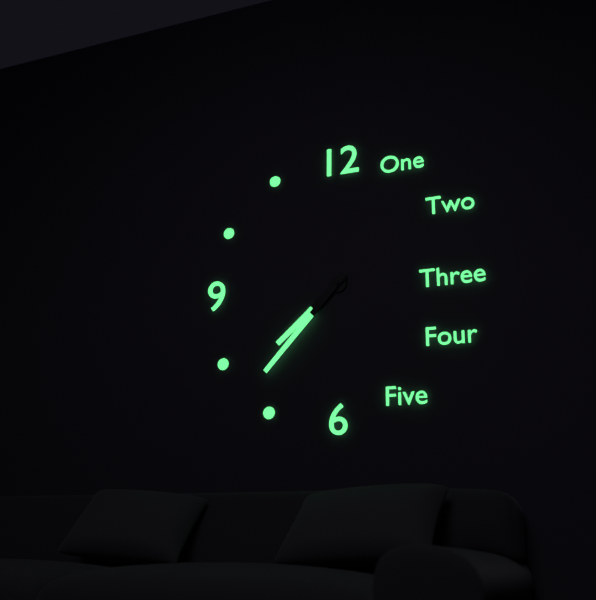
7:37
